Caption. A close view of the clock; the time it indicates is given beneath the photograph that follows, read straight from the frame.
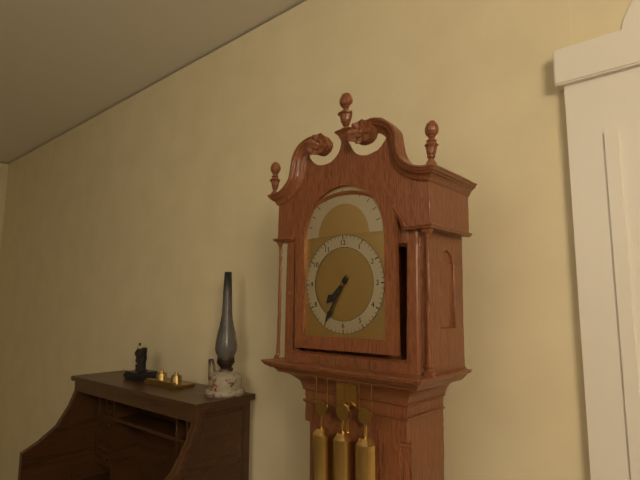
7:35
